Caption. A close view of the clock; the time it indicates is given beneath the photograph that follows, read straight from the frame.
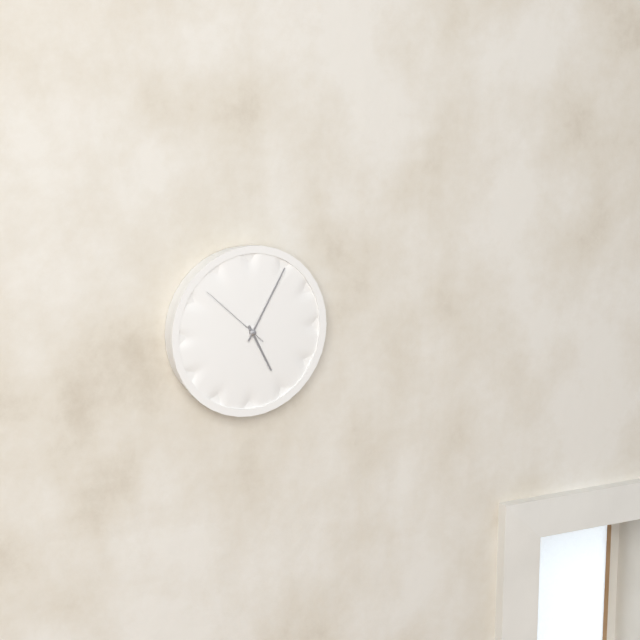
5:05:52
